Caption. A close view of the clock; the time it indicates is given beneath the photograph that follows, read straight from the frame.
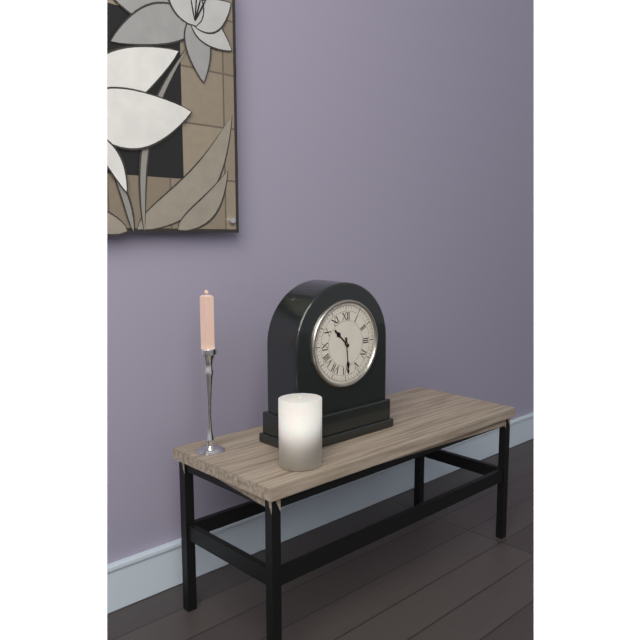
10:29
